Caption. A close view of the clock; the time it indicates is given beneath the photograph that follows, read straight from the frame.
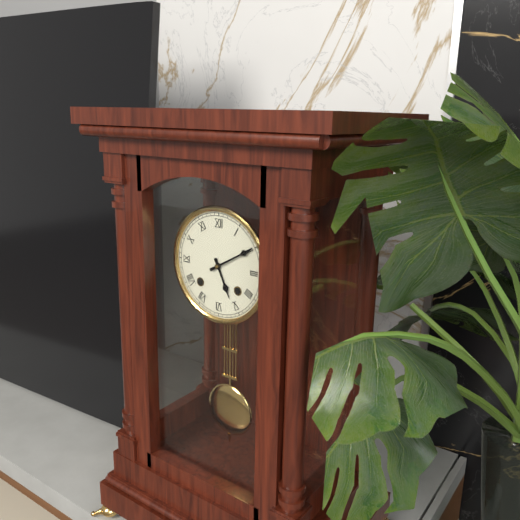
5:10
